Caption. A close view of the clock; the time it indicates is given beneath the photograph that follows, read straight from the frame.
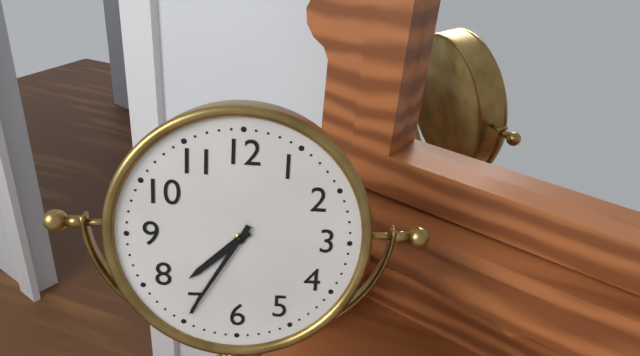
7:35
